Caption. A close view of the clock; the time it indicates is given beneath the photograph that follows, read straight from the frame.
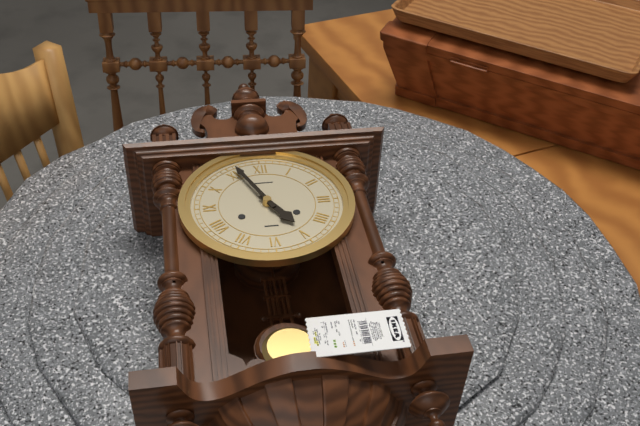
4:56
